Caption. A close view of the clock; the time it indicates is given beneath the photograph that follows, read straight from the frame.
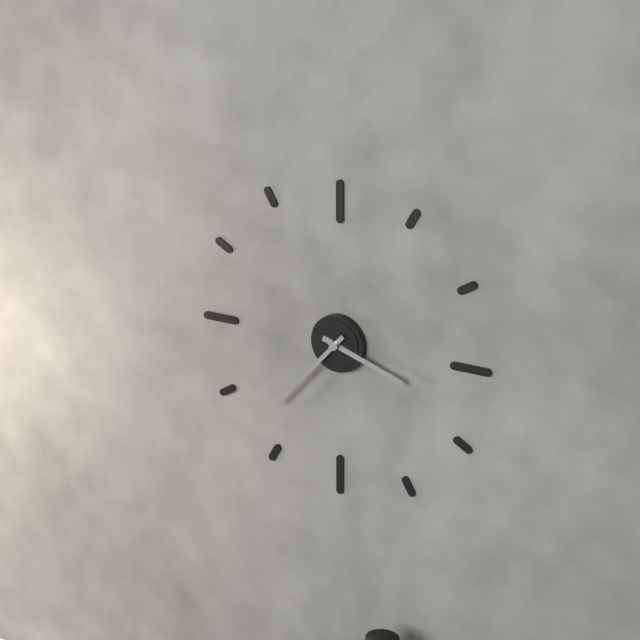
3:37
